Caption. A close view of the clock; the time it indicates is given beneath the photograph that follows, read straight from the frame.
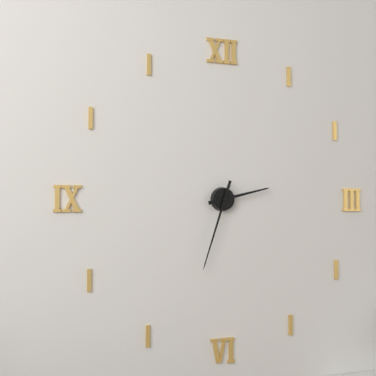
2:33
